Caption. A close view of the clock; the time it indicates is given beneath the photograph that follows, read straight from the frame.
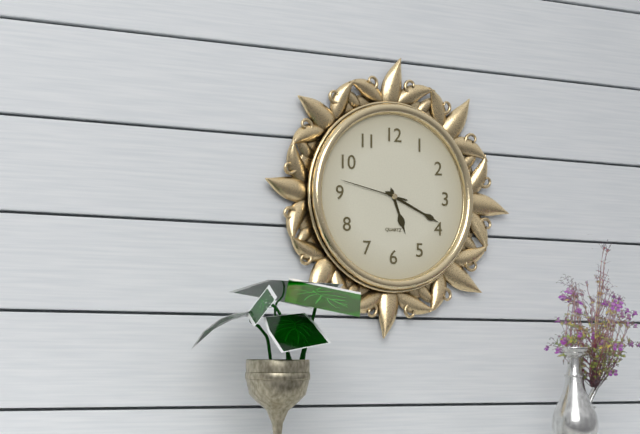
5:19:47
